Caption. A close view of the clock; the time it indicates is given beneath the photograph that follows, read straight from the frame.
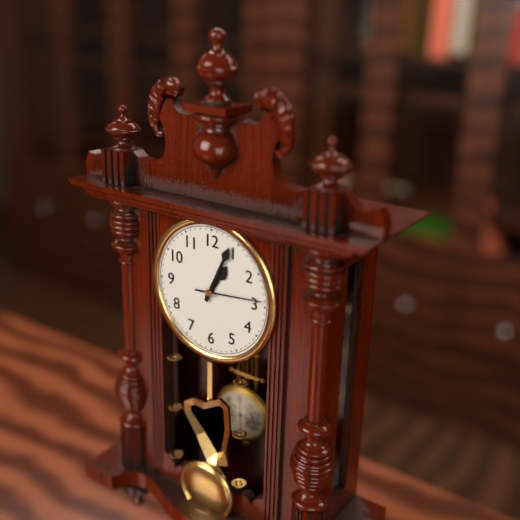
1:04:14
